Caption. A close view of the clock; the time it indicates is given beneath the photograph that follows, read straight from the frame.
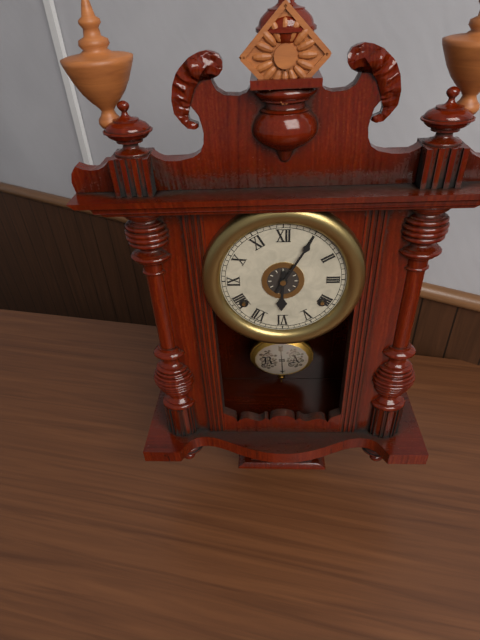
6:05
